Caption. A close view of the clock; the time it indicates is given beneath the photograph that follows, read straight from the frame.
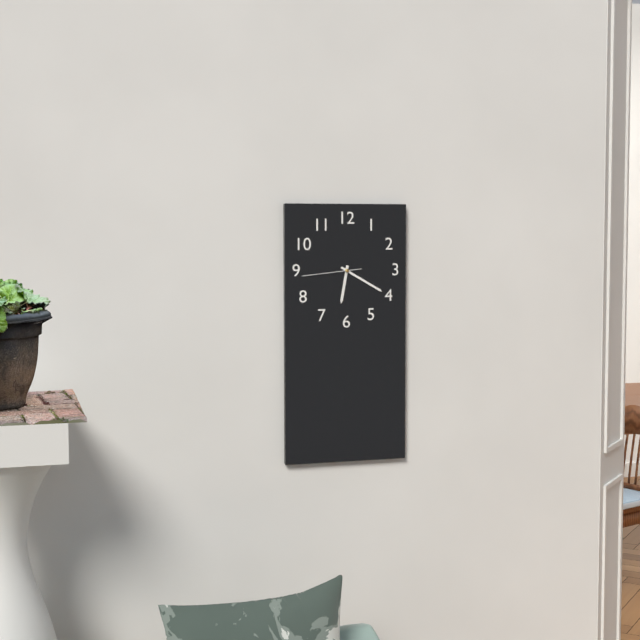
6:20:44
